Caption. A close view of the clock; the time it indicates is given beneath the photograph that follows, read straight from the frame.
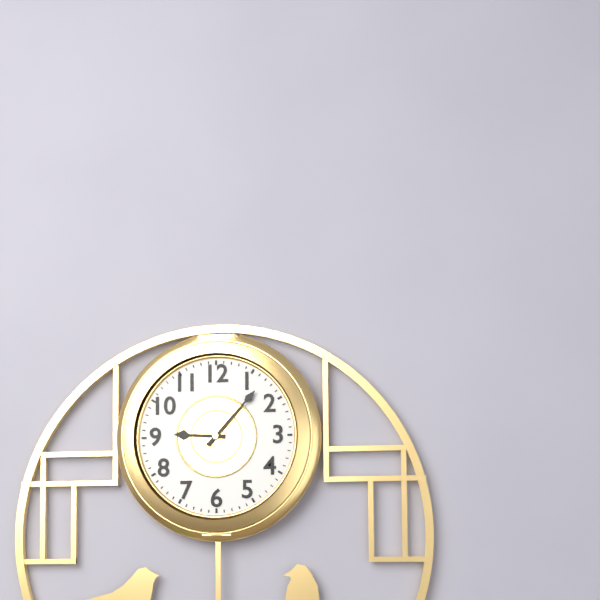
9:07
